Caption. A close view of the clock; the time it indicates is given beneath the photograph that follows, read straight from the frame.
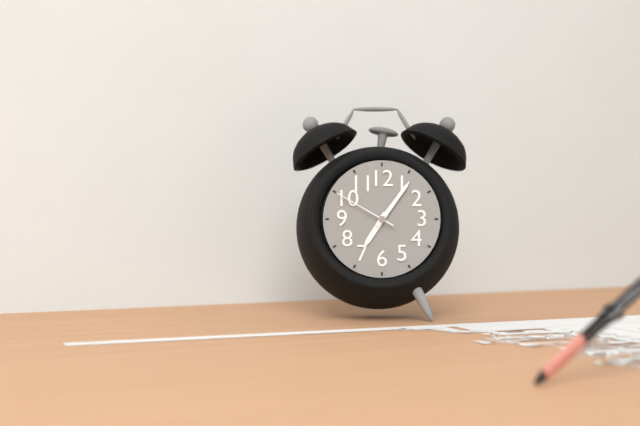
7:06:50
